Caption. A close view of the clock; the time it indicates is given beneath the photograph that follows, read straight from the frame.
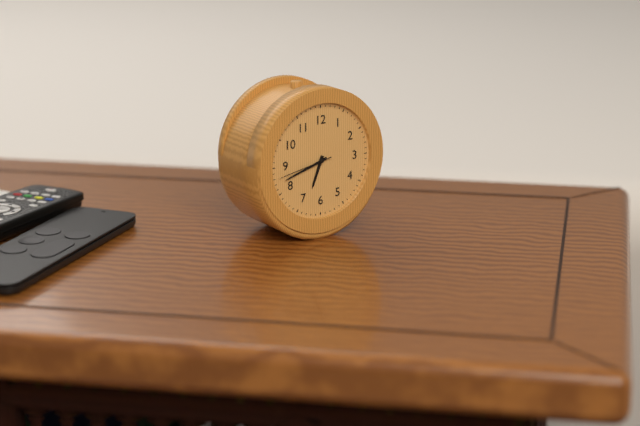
6:42:43
